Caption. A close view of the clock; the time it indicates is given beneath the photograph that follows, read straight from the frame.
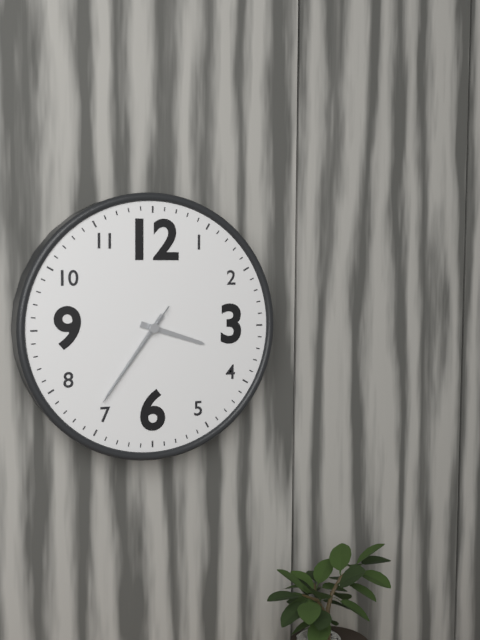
3:36:36
